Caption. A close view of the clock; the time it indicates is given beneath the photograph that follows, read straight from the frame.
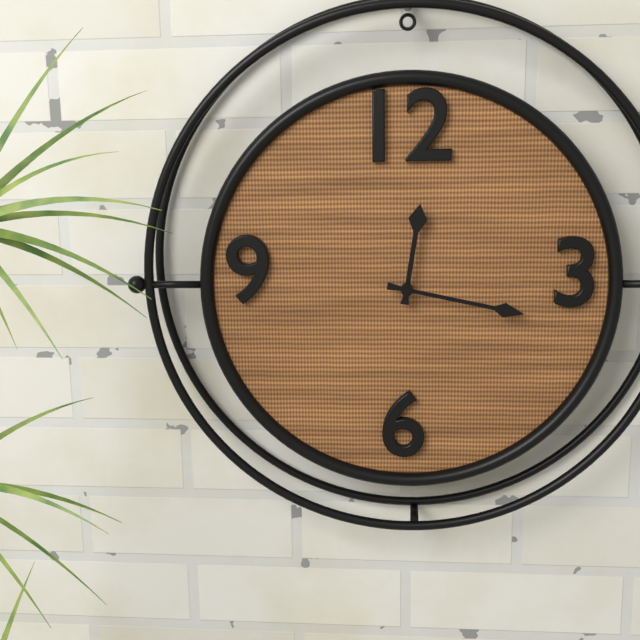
12:17
